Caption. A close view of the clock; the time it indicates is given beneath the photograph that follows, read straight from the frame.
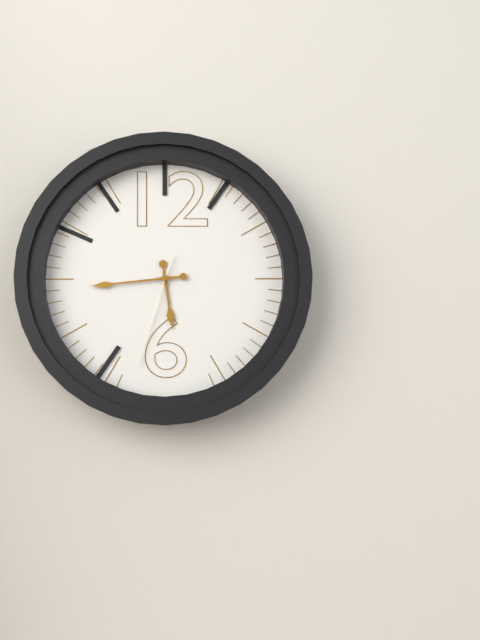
5:44:33
